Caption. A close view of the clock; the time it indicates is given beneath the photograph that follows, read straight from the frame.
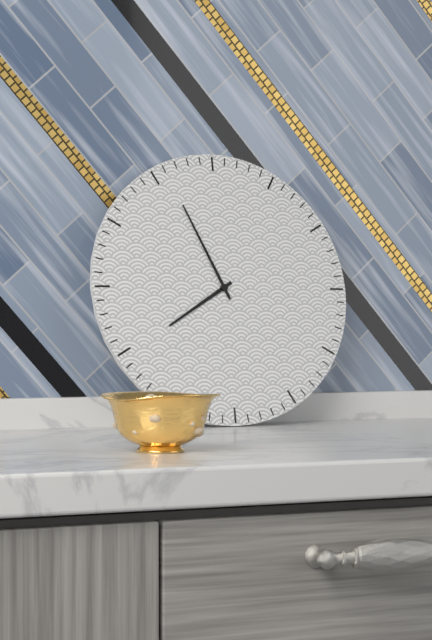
7:56
